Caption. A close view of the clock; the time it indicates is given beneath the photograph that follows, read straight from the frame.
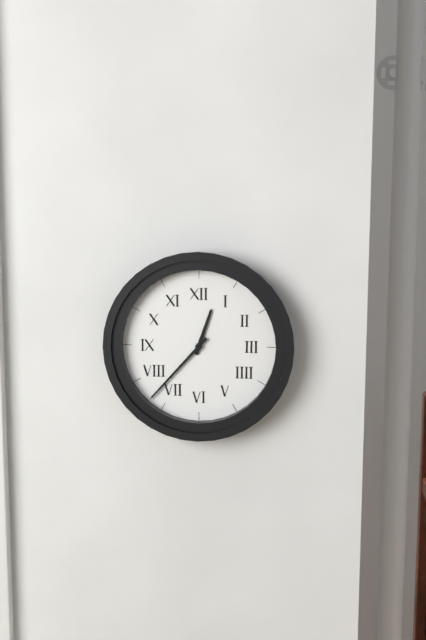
12:37
